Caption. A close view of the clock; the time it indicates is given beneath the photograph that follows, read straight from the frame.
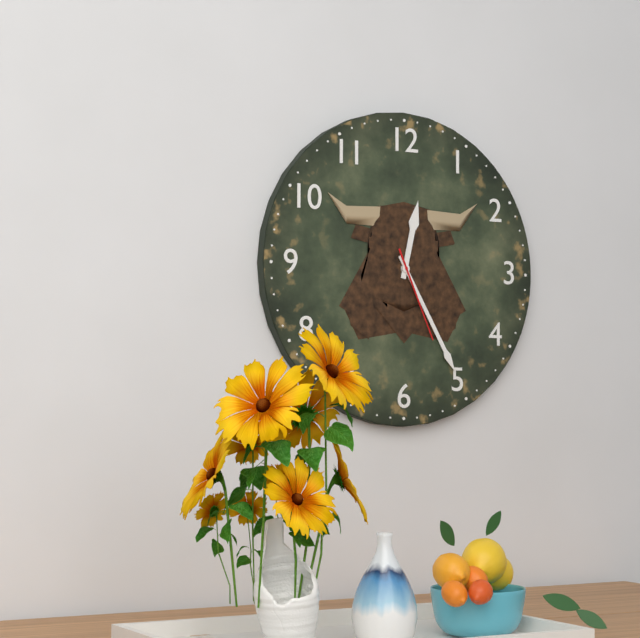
12:25:26
